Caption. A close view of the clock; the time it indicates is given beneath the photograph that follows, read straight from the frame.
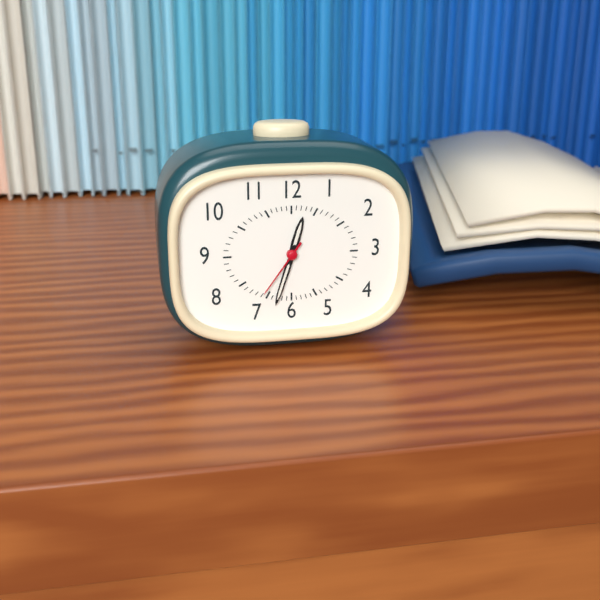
12:33:36
